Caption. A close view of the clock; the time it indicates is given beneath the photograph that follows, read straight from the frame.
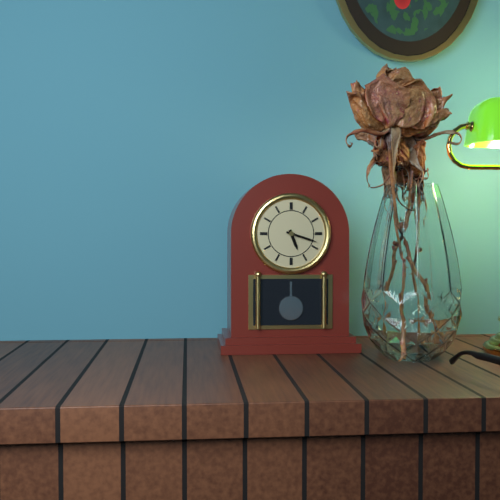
5:18
